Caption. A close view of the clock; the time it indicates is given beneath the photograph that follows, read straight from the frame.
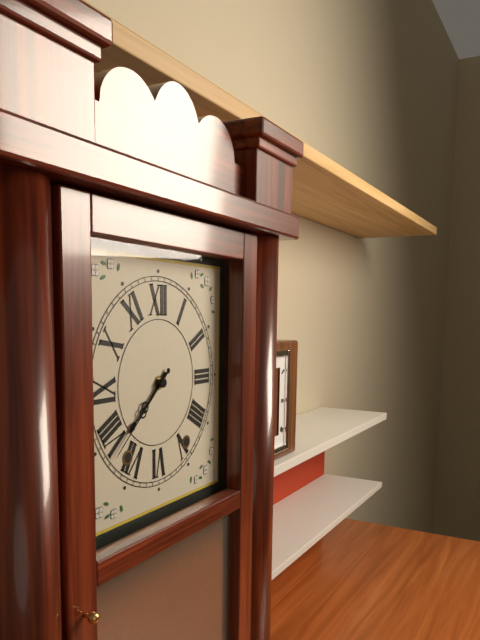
7:38
